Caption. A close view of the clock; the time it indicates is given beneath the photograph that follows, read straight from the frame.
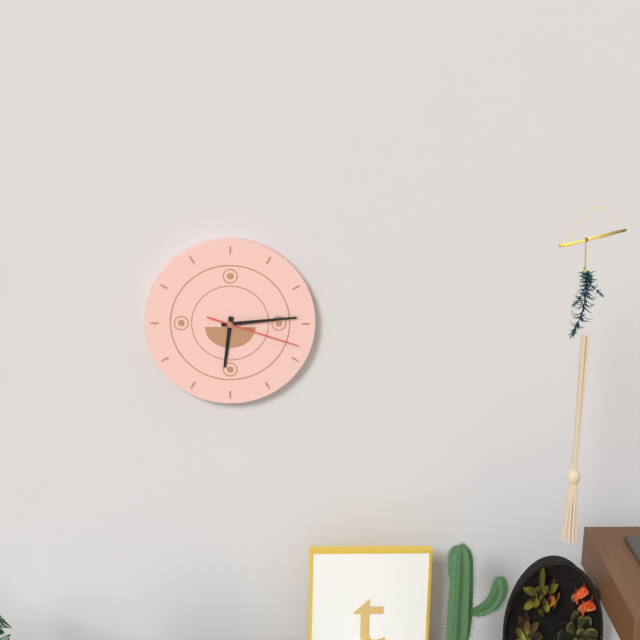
6:14:18
